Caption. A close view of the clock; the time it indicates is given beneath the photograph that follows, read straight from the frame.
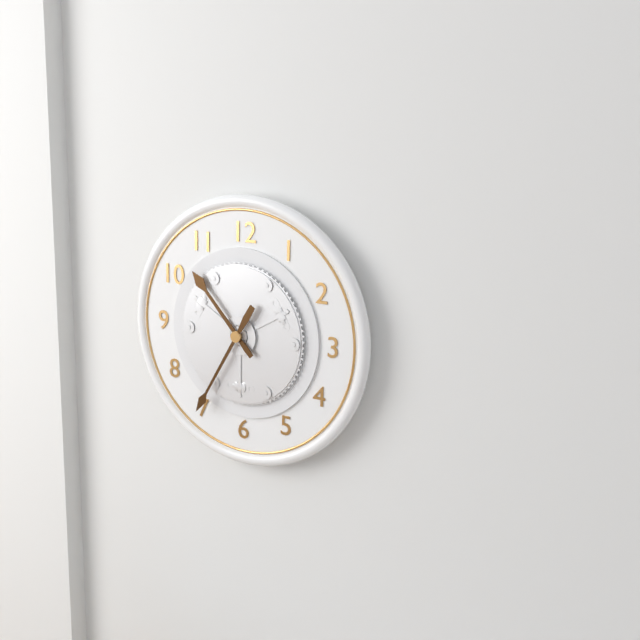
10:35
